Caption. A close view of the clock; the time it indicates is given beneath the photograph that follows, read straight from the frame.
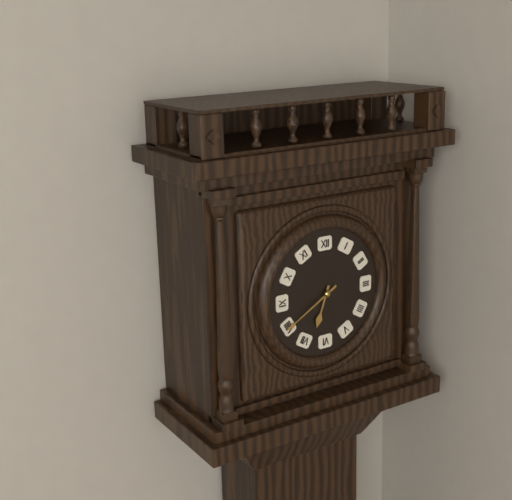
6:40
